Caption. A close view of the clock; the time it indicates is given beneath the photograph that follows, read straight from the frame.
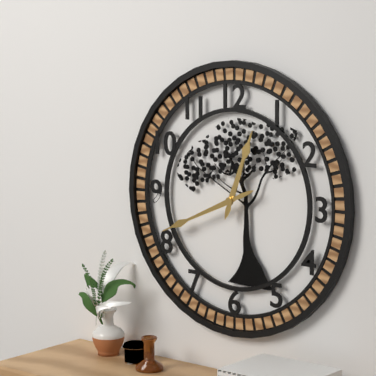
12:41
